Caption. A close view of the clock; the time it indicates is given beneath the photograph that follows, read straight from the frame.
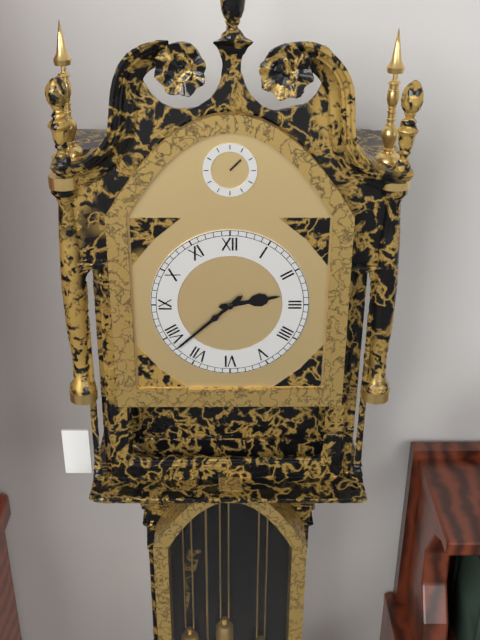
2:38
